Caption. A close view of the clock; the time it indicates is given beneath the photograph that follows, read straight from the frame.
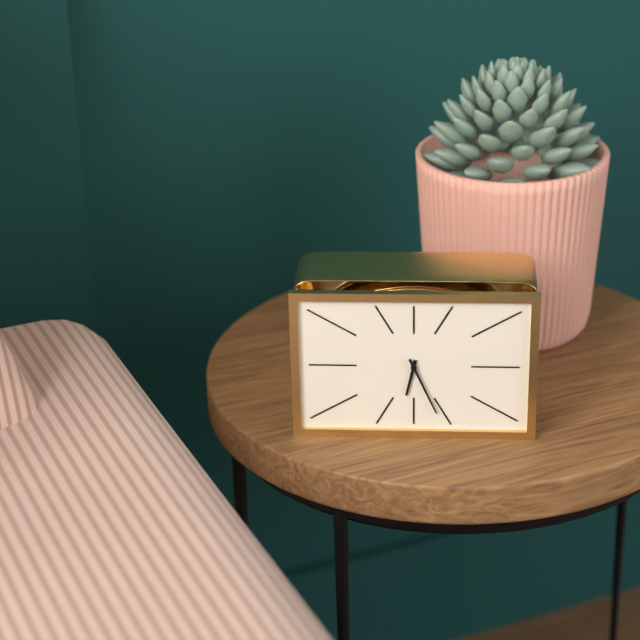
6:26
